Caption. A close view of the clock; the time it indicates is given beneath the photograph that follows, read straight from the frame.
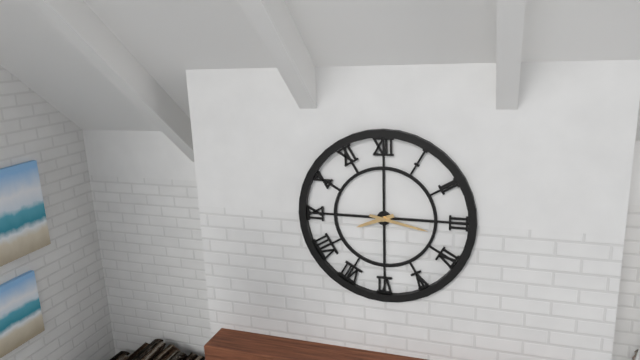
8:17
